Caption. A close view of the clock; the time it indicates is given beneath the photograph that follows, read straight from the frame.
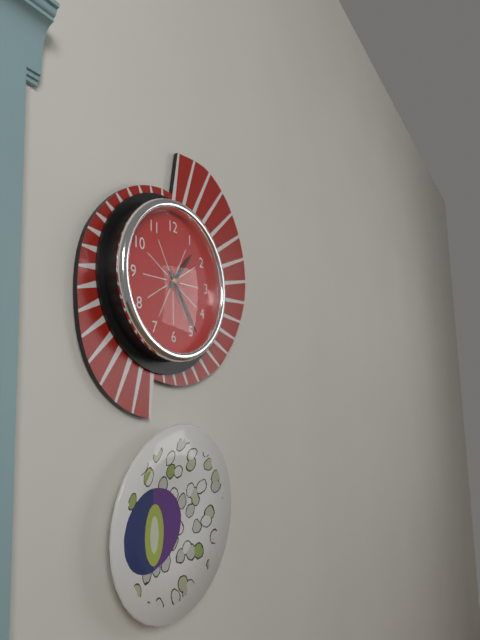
1:24
